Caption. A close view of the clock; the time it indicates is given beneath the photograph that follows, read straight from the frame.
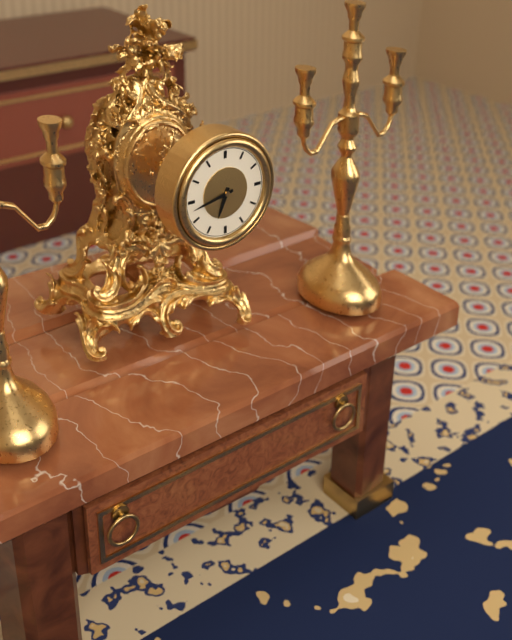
6:43
